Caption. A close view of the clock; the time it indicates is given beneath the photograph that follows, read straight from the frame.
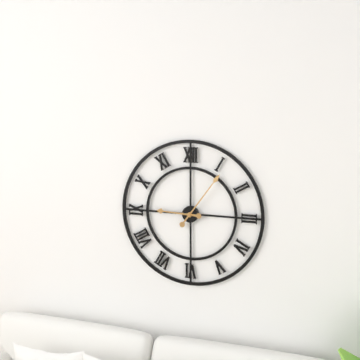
9:06
